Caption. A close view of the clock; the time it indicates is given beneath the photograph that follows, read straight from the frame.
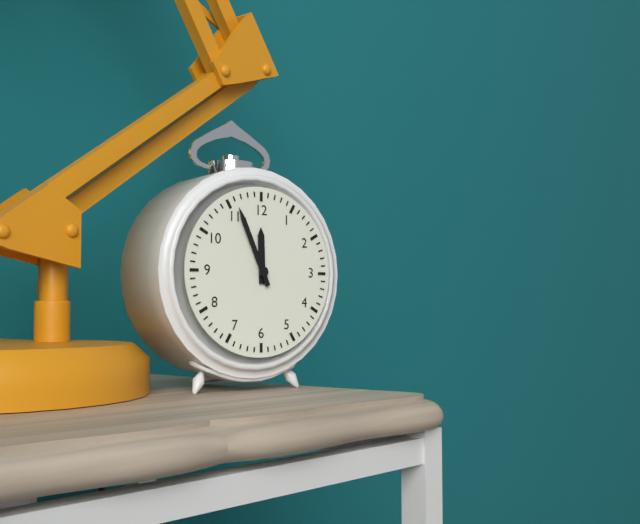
11:56
